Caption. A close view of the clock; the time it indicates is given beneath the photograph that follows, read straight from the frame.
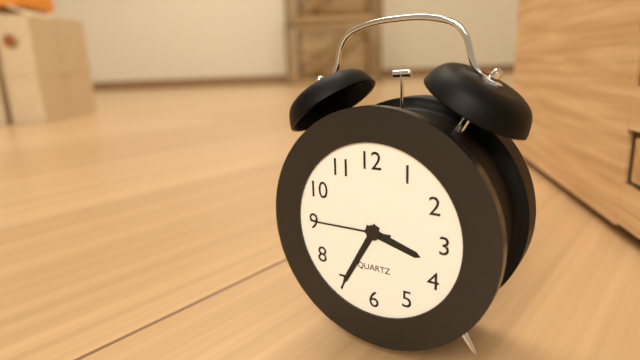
3:35:45
